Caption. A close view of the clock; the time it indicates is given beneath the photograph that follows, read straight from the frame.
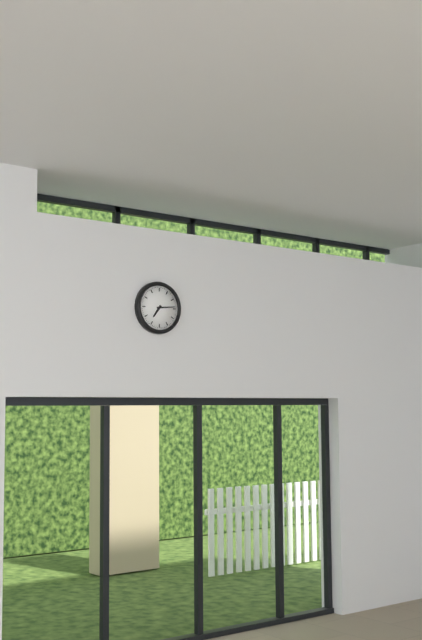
7:14
